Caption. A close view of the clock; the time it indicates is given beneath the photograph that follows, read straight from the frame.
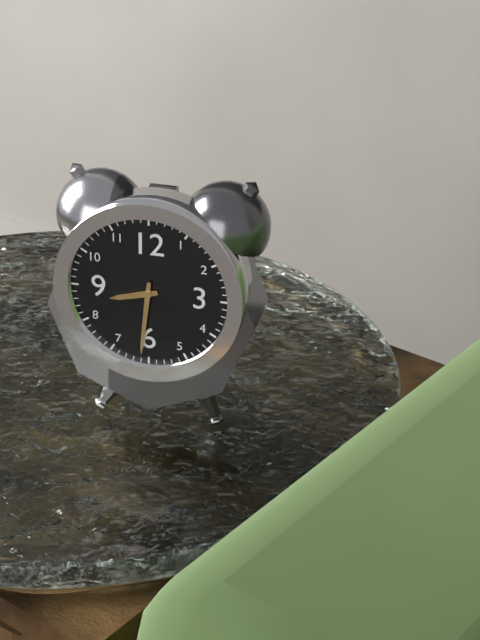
8:31
